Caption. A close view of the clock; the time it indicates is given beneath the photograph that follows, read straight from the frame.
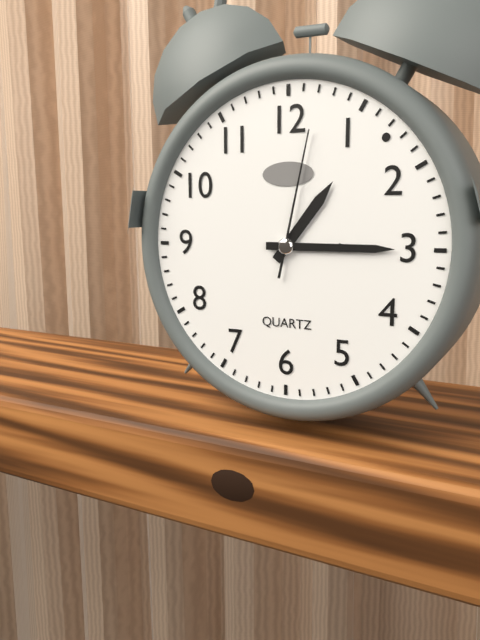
1:15:02
